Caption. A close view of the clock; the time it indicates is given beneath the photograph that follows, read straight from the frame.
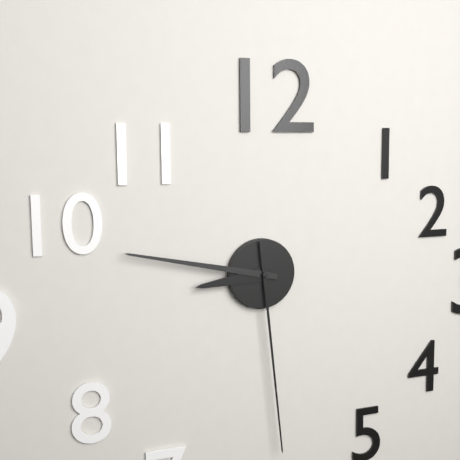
8:47:29
